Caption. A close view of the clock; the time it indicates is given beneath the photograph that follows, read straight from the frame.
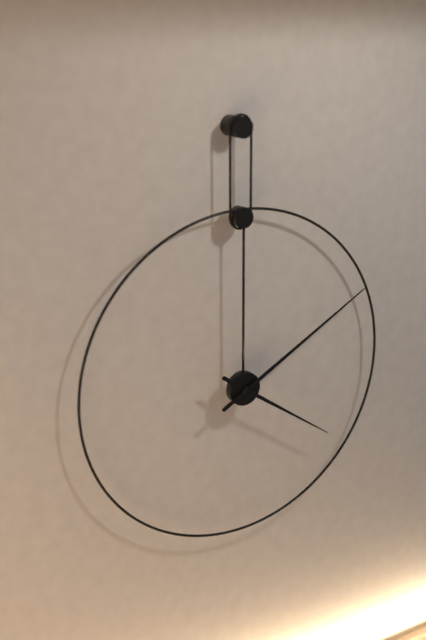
4:10
